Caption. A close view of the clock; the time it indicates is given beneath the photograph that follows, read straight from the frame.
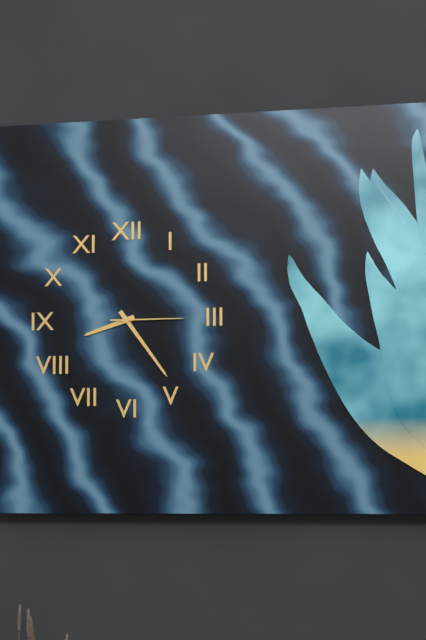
8:24:15
